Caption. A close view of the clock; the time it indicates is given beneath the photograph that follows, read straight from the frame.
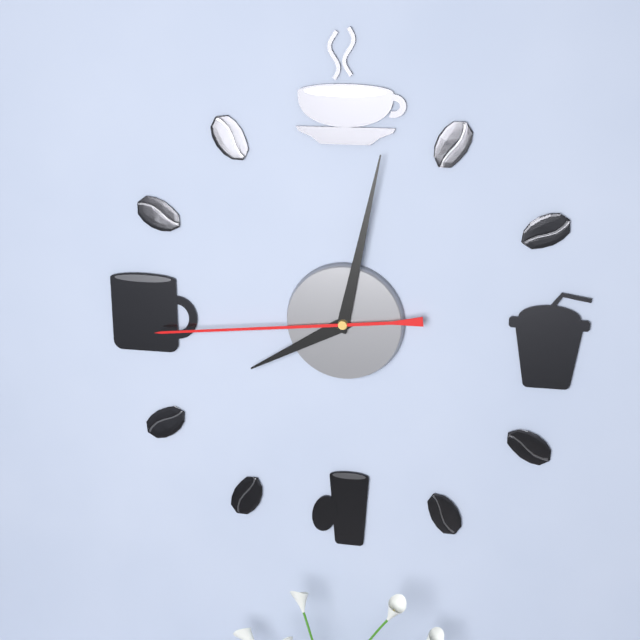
8:02:44
